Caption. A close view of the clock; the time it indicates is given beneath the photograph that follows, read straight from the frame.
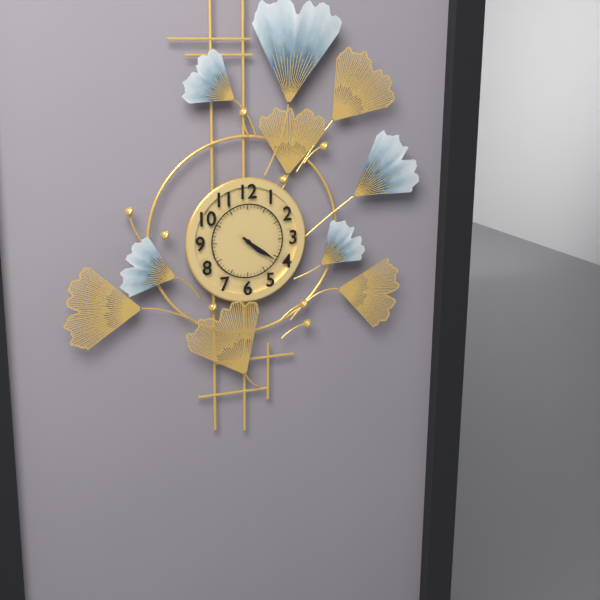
4:21
